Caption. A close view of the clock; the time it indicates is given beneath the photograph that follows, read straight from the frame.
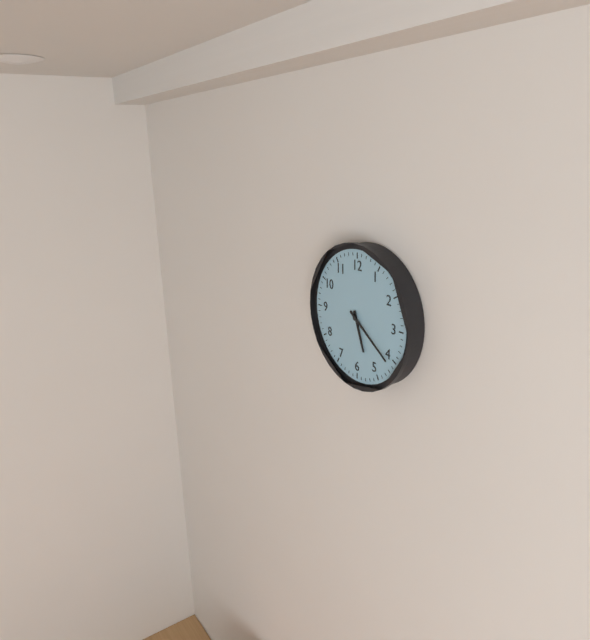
5:21
